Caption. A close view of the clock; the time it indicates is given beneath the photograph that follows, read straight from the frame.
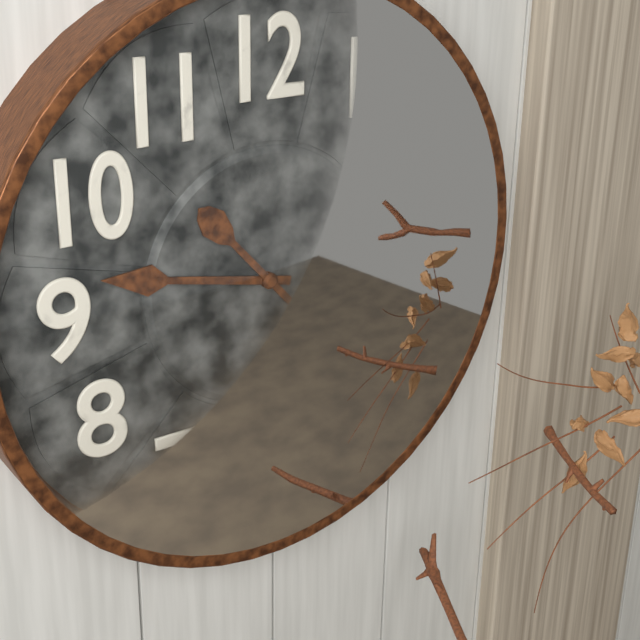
9:23
